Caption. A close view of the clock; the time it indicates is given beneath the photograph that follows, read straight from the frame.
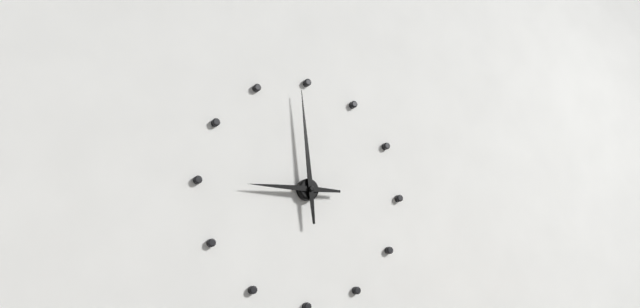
8:59
